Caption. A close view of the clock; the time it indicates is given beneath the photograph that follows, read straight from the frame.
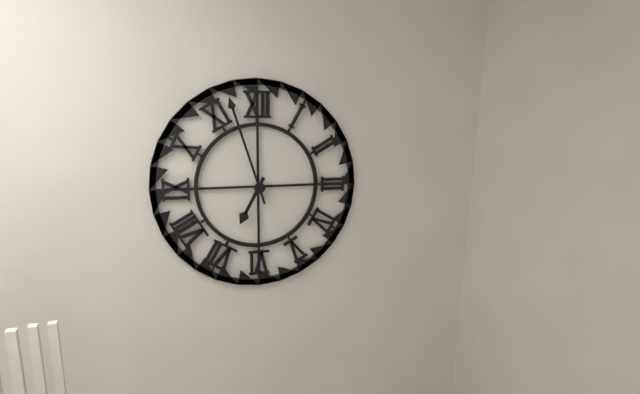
6:57
